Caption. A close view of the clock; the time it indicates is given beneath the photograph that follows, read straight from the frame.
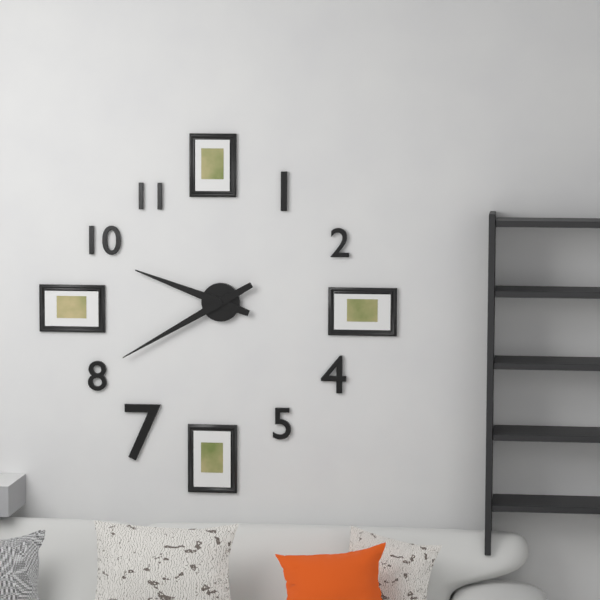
9:40
